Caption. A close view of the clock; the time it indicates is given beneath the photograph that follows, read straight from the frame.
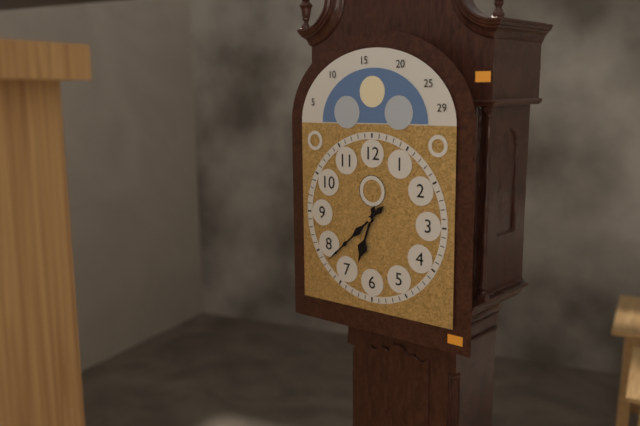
6:38
